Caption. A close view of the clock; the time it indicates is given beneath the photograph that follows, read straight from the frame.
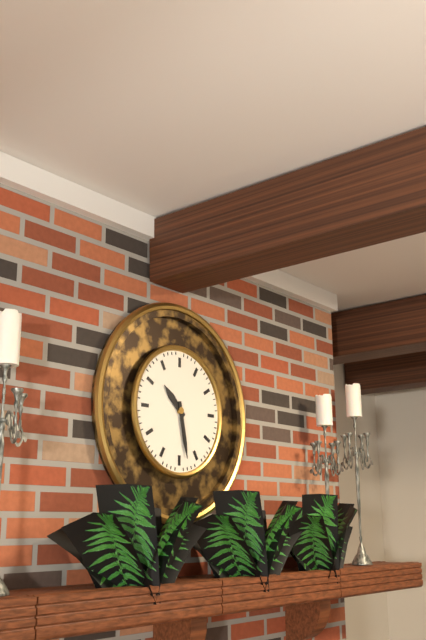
10:28
